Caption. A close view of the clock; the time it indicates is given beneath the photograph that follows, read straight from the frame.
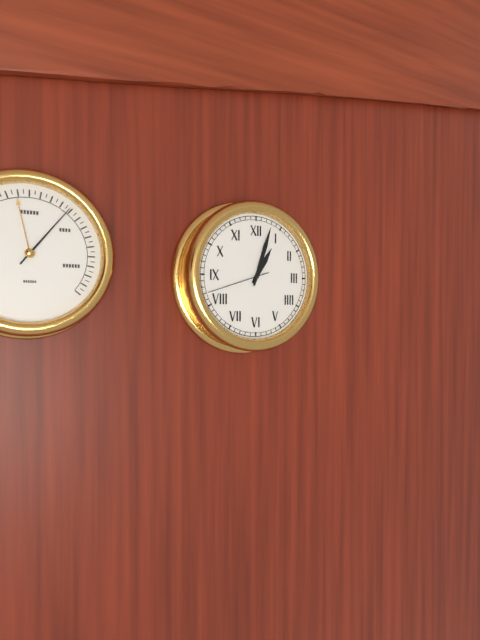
1:03:42
